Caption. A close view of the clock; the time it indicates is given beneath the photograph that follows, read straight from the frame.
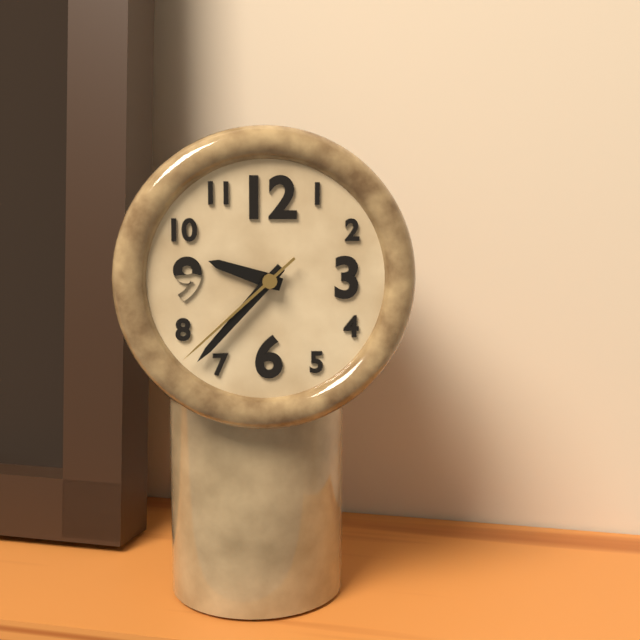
9:37:38
